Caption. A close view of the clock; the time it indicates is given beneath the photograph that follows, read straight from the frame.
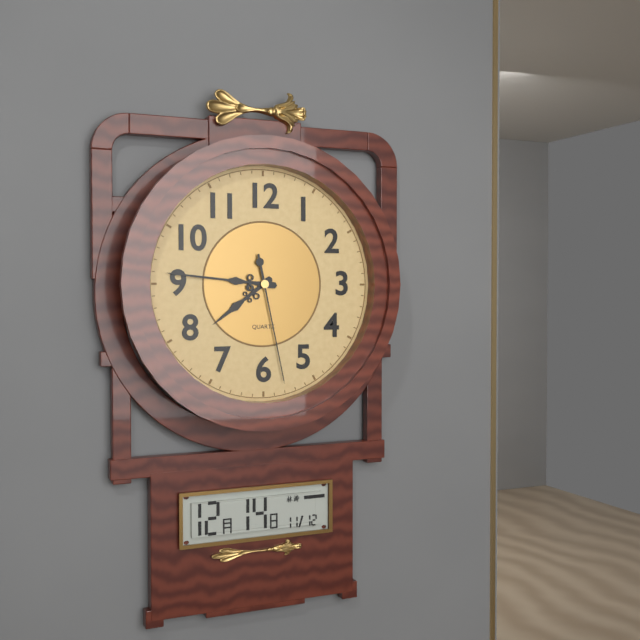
7:46:28
